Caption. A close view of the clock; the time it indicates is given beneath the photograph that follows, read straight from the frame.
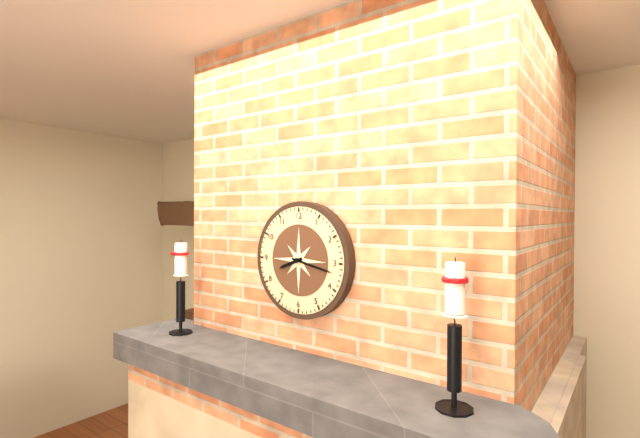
8:17
